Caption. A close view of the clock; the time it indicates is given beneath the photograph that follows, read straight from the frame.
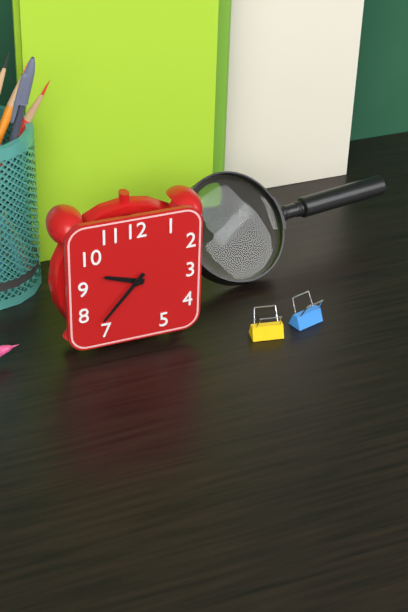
9:37
